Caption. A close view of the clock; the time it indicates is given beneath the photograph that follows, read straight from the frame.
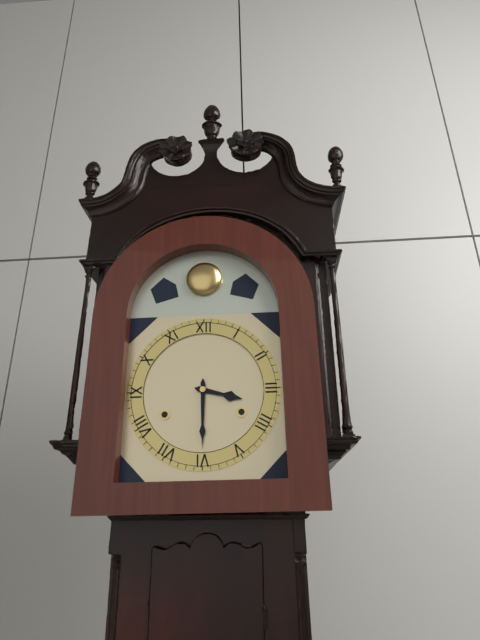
3:30
